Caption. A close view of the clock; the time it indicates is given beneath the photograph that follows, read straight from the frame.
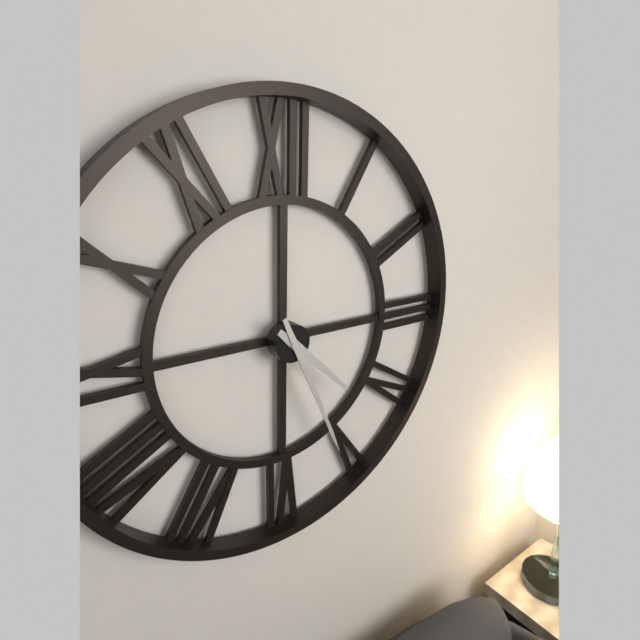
4:26
